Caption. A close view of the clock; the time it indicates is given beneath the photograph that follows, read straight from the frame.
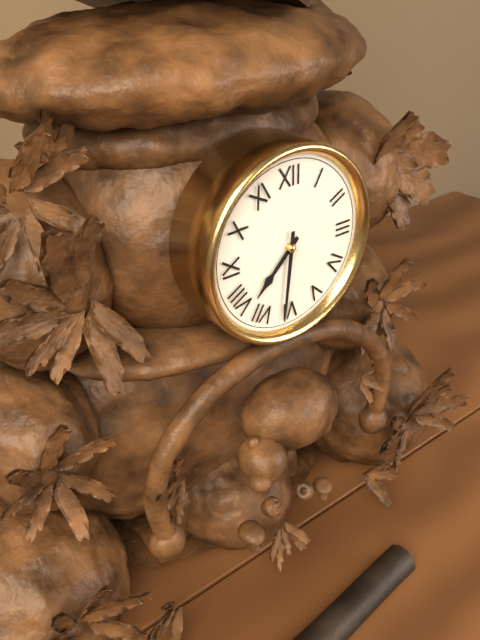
7:31
